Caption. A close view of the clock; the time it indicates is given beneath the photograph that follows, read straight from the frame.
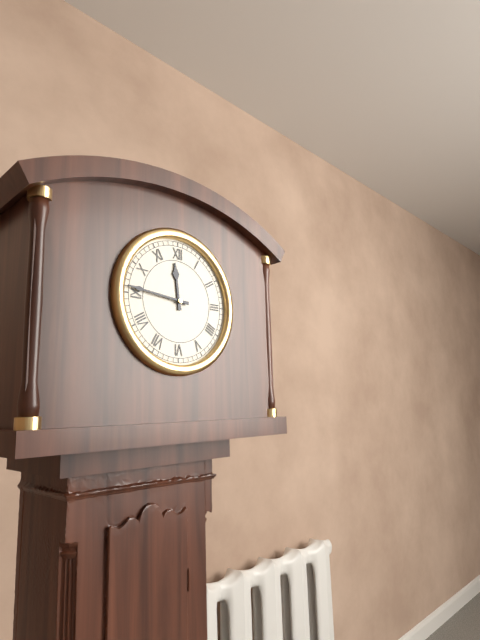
11:46
